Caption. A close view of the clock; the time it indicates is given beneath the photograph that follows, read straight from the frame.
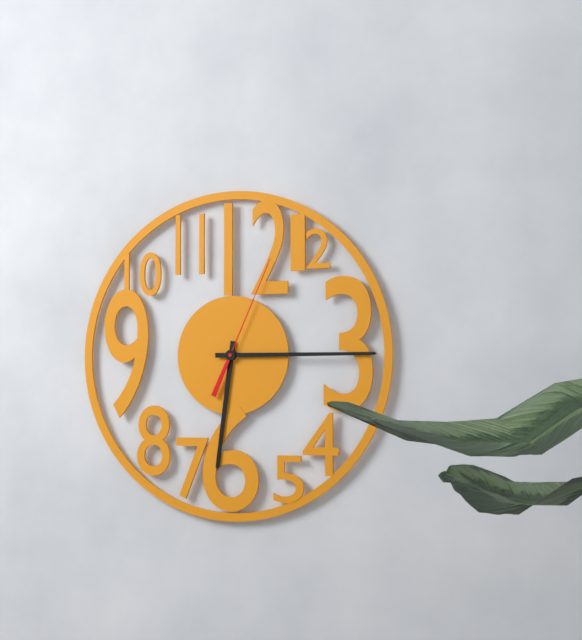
6:15:04
